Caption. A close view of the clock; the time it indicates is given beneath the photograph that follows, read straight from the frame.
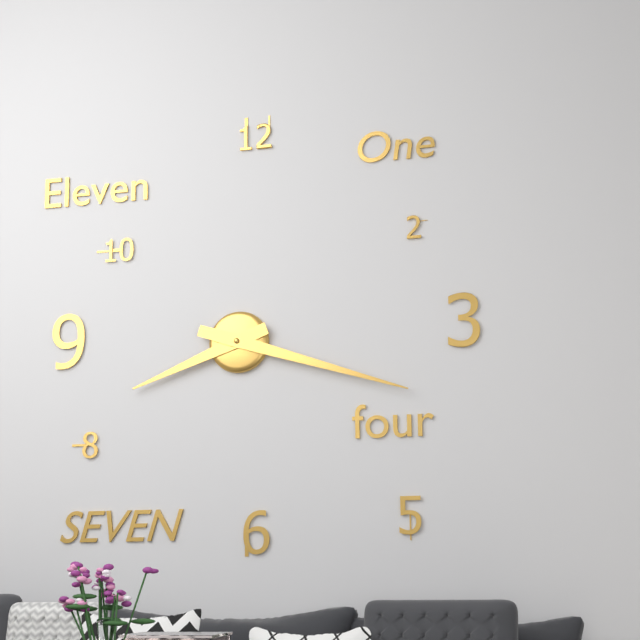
8:18
